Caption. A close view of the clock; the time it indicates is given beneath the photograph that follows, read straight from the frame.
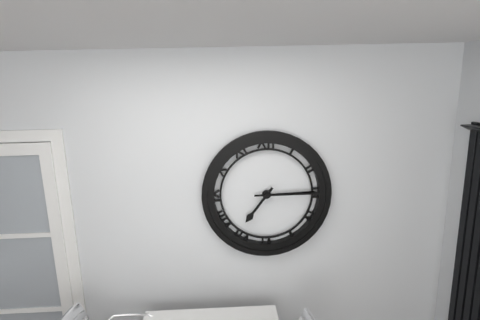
7:15
